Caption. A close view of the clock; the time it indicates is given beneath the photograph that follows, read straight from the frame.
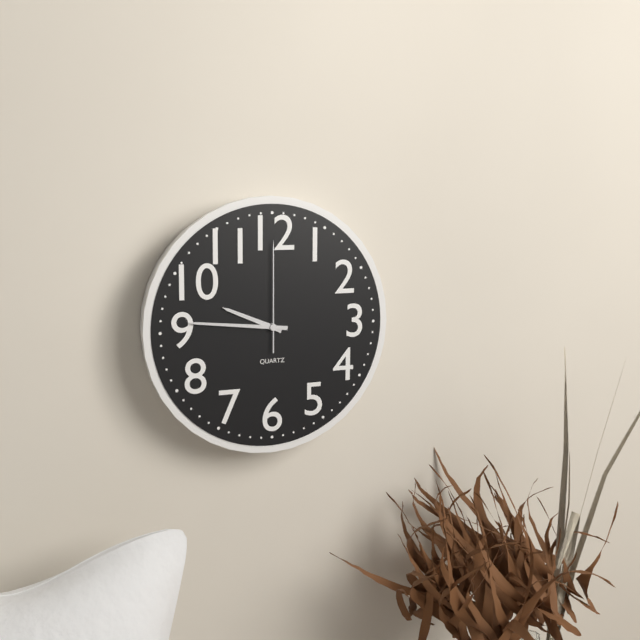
9:46:00
